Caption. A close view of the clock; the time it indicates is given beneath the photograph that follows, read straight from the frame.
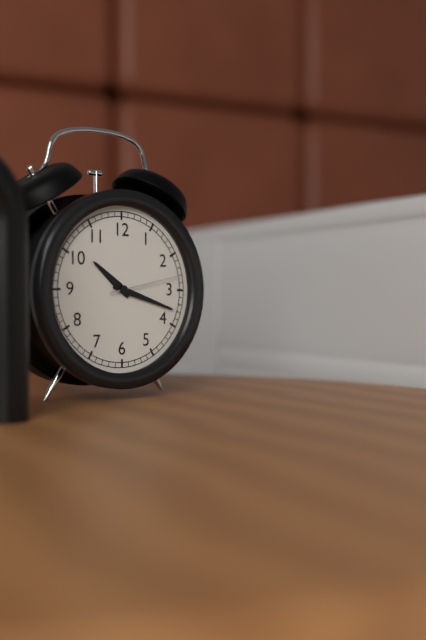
10:18:13
